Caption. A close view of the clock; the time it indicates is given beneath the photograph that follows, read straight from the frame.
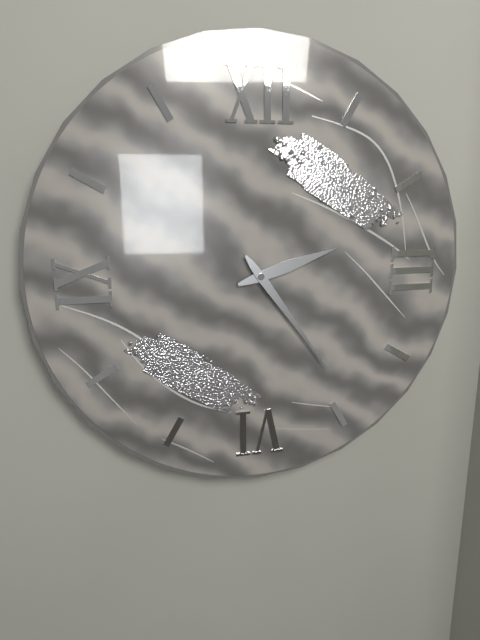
2:24
